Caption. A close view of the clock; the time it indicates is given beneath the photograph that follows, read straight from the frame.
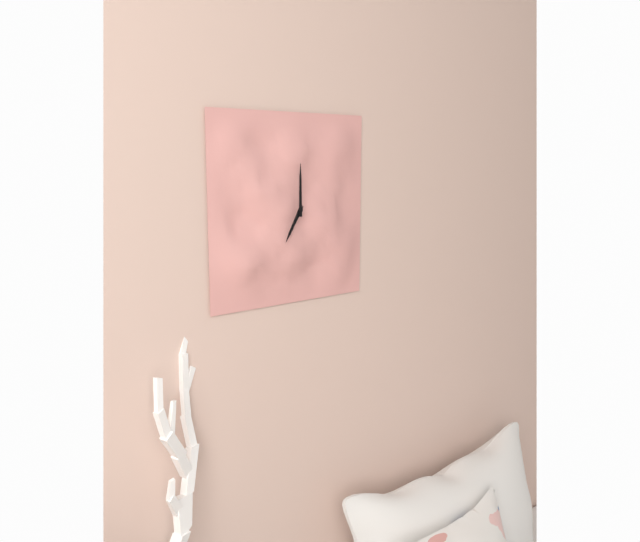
7:00
